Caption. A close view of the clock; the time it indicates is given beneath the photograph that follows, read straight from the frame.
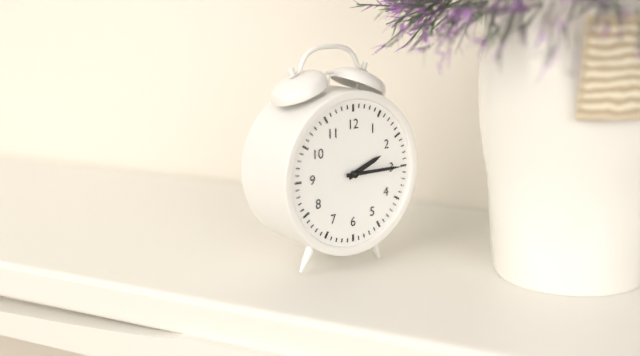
2:15
